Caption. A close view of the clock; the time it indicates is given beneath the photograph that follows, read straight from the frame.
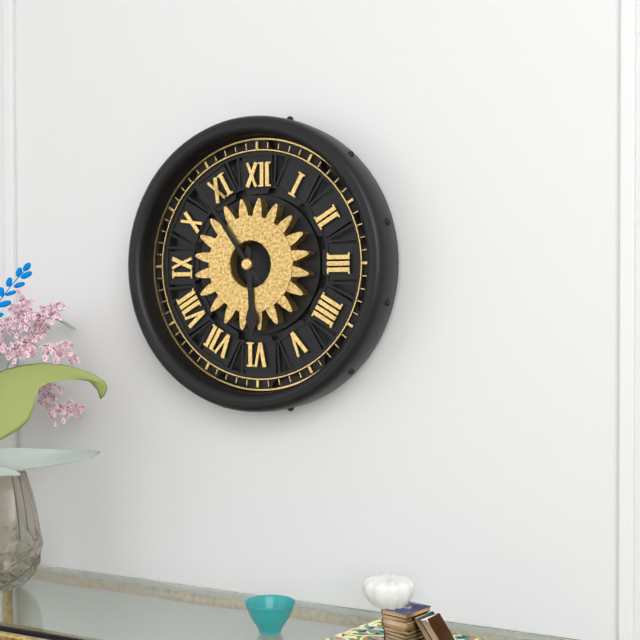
5:54
